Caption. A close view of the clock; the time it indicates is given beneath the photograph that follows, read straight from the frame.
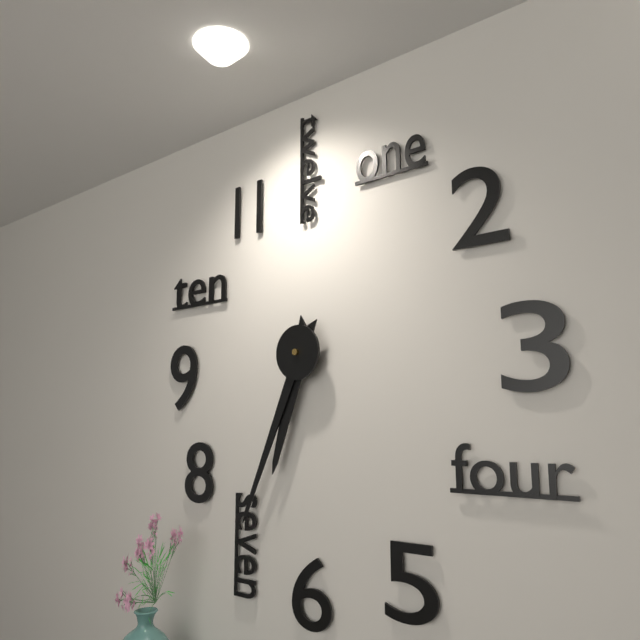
6:34
